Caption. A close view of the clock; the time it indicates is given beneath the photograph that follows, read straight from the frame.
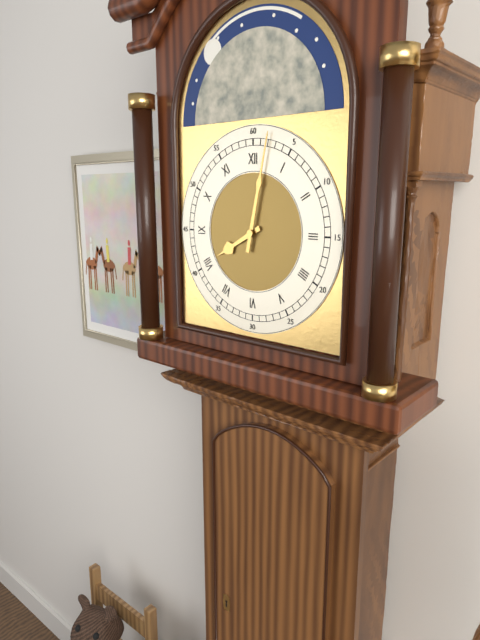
8:02
